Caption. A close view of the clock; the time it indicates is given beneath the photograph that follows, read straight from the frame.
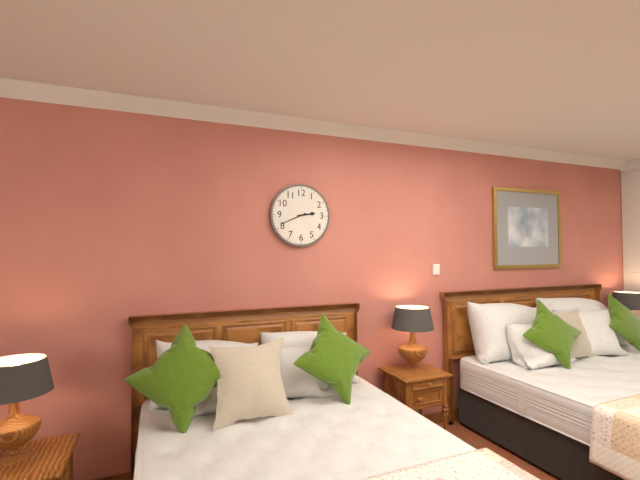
2:41
